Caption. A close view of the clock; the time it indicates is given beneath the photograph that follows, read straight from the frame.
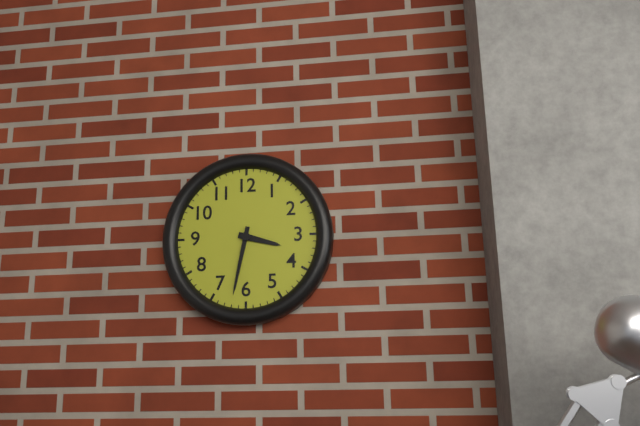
3:32
